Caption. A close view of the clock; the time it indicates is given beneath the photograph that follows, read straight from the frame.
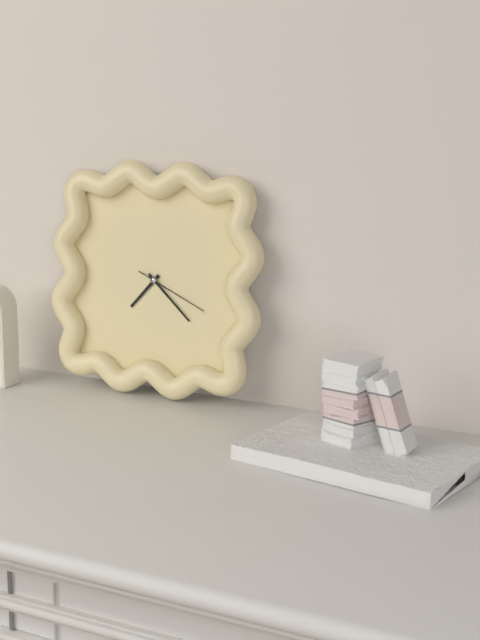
7:22:19
